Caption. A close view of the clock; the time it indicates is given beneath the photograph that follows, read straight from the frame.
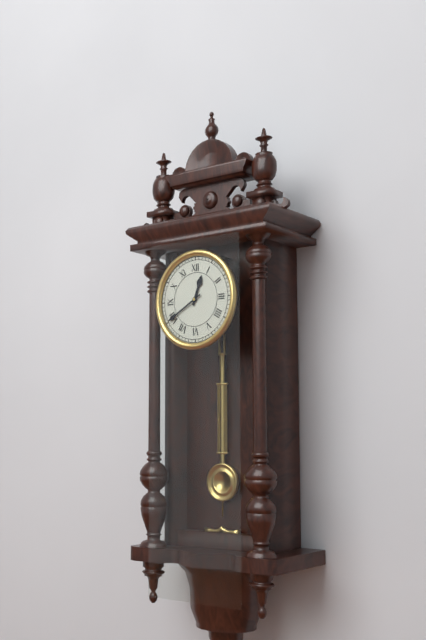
12:40
